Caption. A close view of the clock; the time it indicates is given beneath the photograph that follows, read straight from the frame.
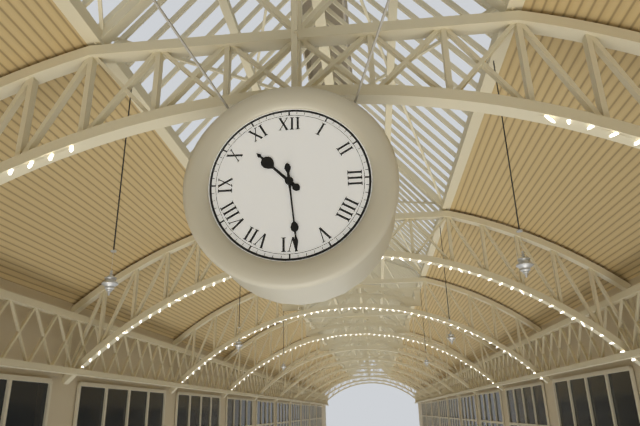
10:29
